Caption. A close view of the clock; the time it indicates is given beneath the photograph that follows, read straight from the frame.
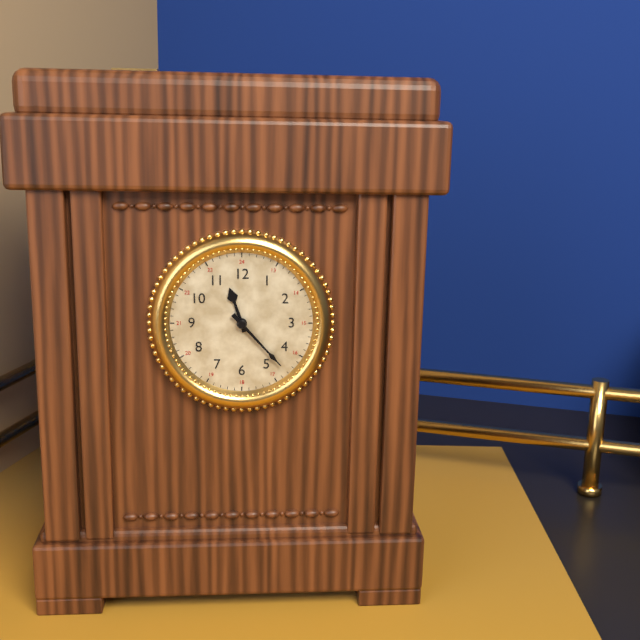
11:23
